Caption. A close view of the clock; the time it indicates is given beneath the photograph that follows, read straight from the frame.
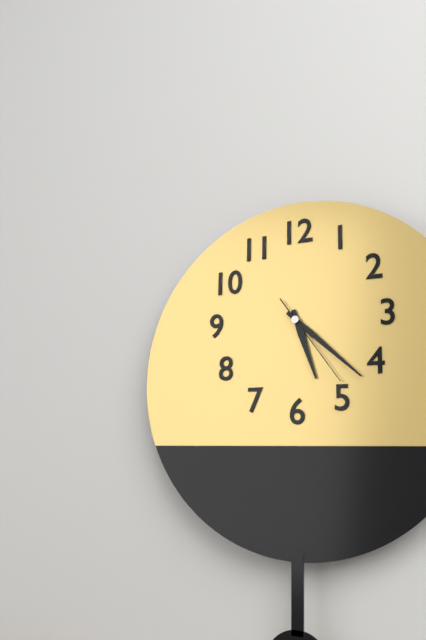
5:22:24
